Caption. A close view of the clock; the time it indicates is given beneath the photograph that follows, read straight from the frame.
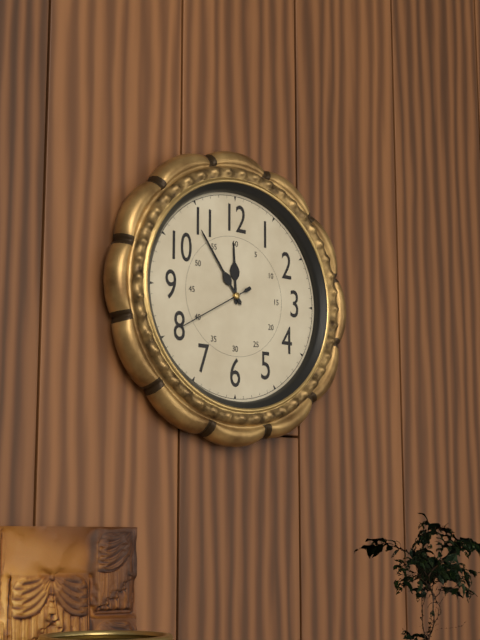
11:54:40
